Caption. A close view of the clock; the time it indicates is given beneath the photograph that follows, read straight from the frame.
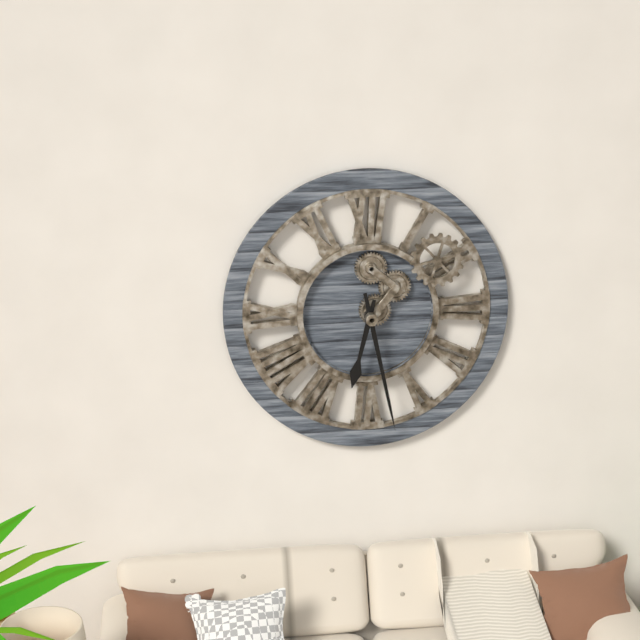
6:28
